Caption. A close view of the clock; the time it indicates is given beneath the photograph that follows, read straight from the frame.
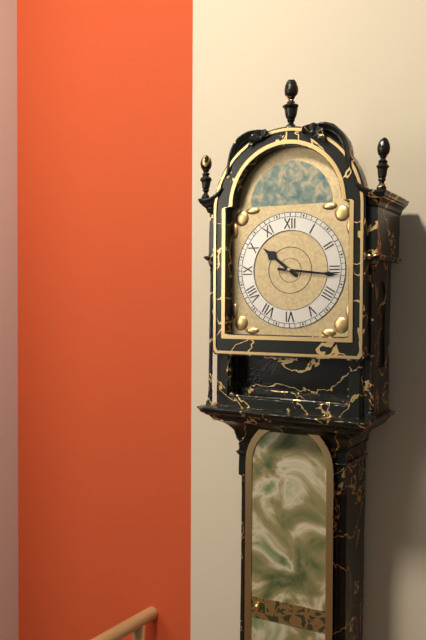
10:16
